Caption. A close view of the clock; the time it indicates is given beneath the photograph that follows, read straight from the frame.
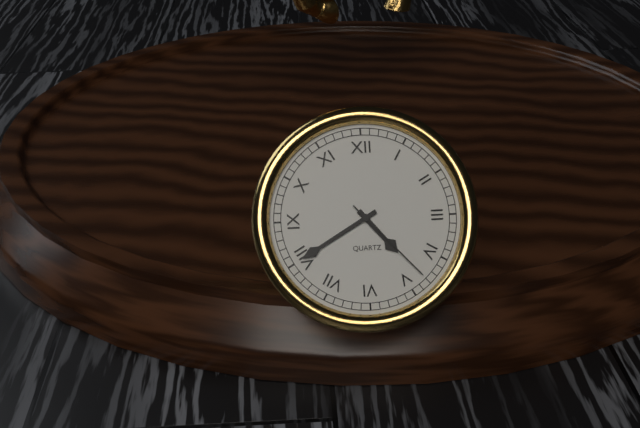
4:40:23
